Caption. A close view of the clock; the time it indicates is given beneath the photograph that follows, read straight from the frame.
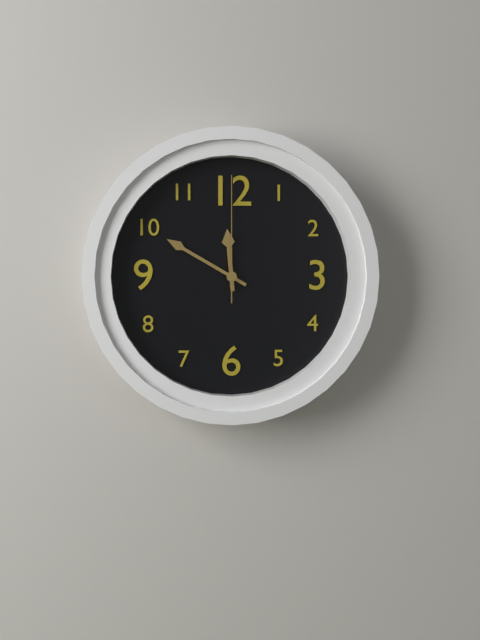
11:50:00
